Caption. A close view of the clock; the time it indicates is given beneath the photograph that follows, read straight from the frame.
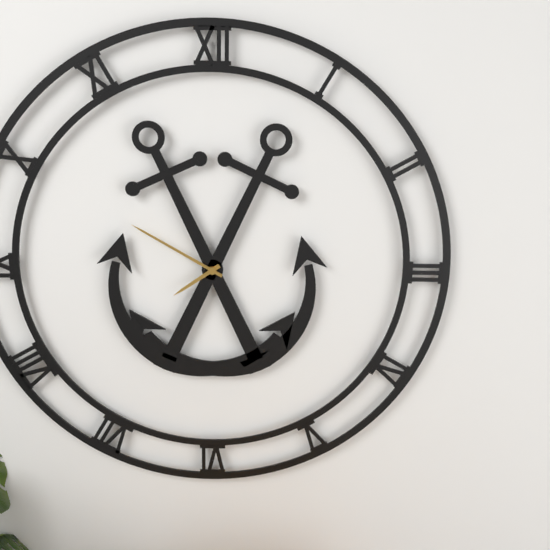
7:50
